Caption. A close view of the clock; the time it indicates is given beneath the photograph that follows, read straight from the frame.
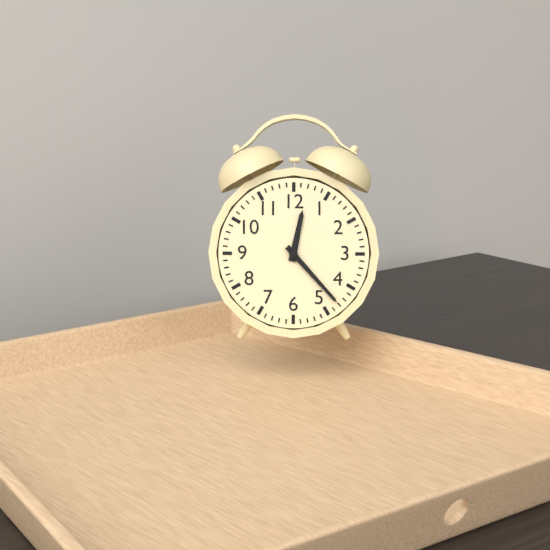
12:23
